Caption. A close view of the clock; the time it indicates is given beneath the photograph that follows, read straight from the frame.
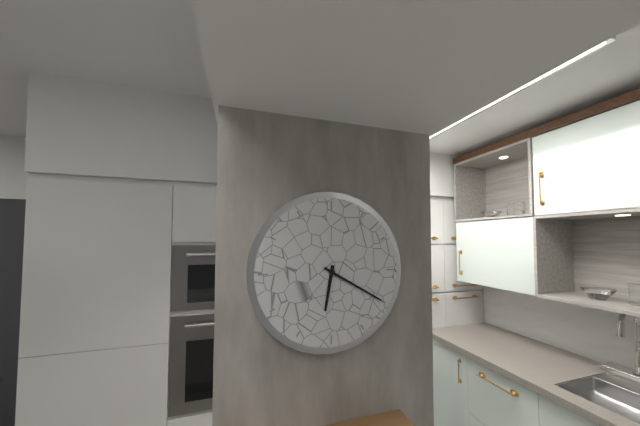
6:20
